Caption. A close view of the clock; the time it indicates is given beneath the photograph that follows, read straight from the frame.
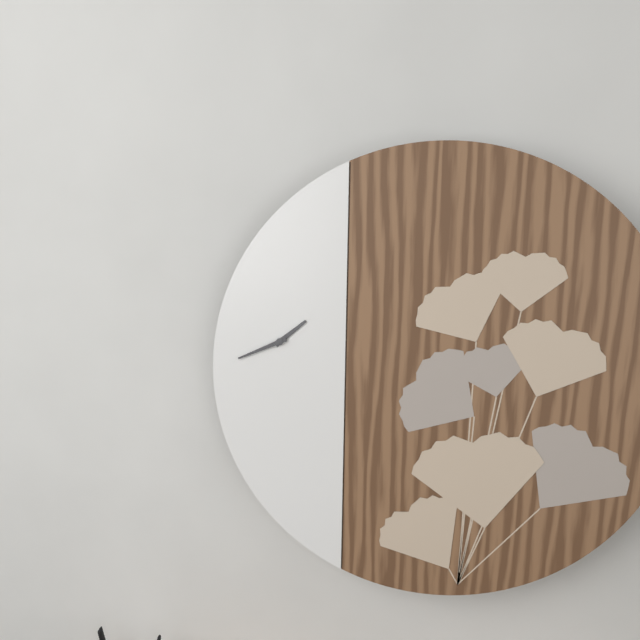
1:41
